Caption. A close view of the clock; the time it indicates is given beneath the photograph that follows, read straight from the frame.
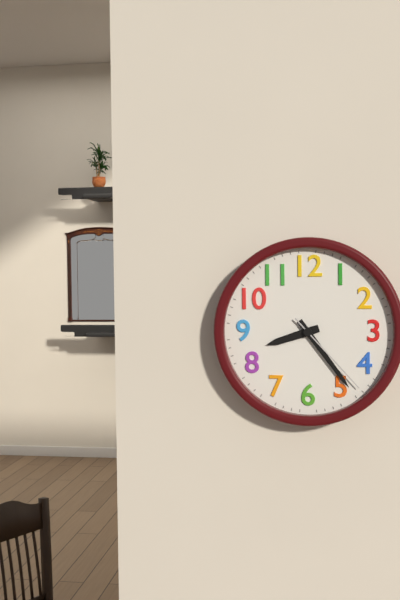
8:24:23
